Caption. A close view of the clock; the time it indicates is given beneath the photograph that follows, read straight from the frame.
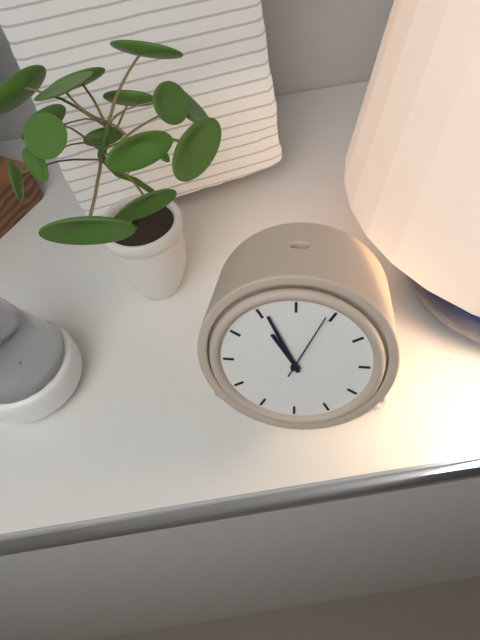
10:56:04
